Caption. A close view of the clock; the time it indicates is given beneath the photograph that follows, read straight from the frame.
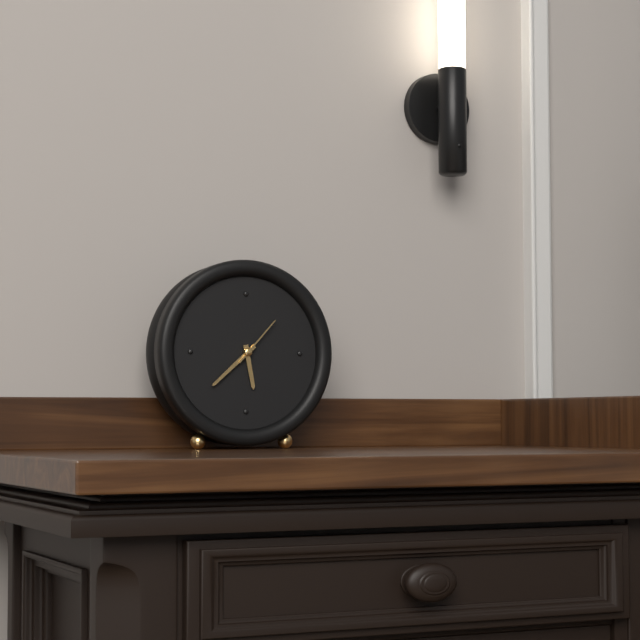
5:38:07
